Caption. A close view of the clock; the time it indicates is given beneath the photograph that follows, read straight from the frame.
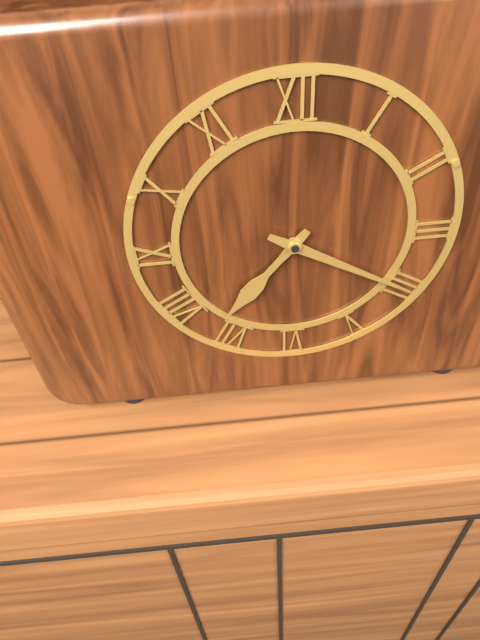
7:20
